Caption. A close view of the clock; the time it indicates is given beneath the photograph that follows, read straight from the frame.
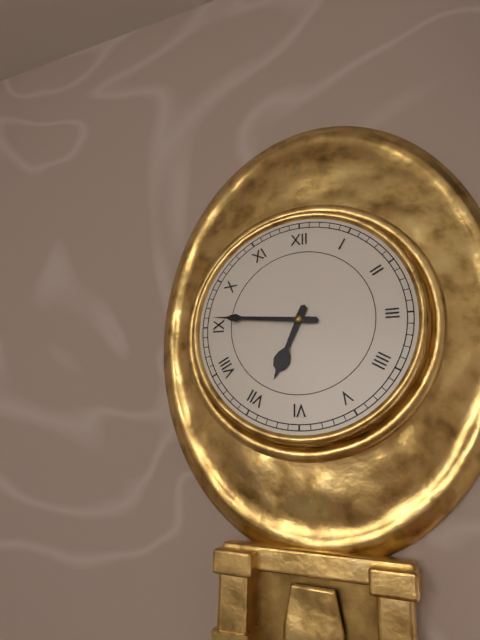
6:46
